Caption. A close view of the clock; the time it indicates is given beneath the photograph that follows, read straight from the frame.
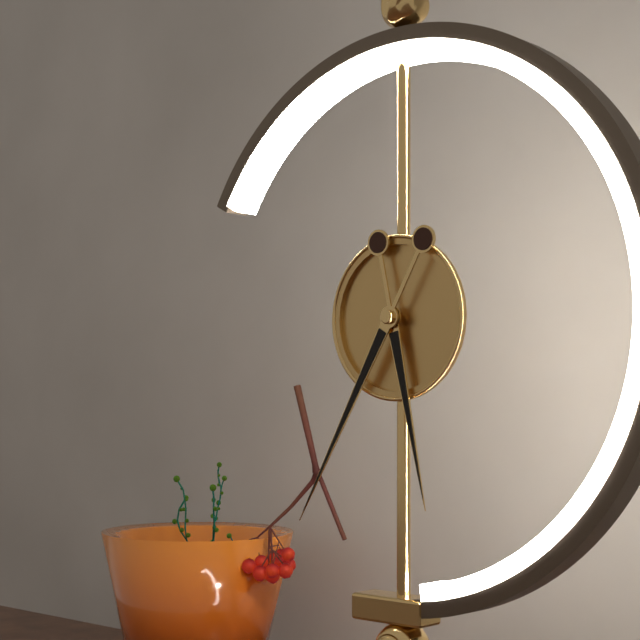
5:35
